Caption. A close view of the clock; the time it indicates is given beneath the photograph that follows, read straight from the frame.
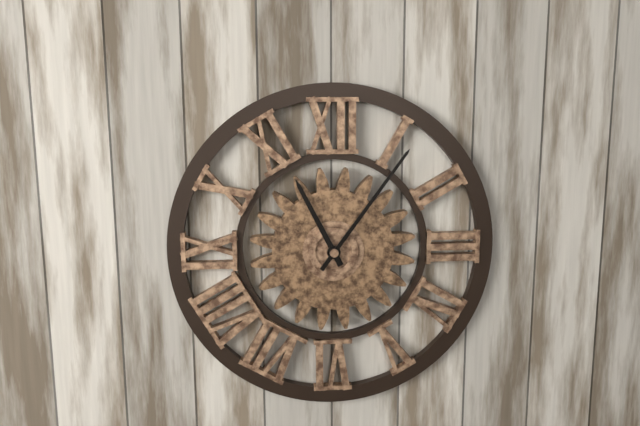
11:06
